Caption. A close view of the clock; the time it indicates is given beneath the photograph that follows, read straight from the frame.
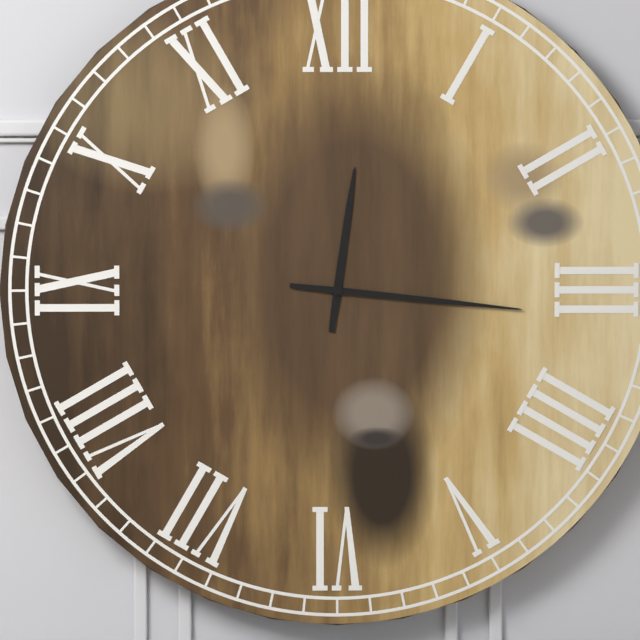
12:16
